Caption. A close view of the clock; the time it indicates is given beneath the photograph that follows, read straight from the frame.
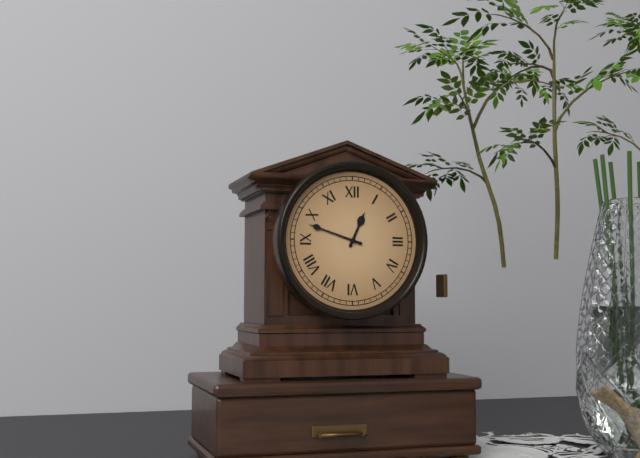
12:48
